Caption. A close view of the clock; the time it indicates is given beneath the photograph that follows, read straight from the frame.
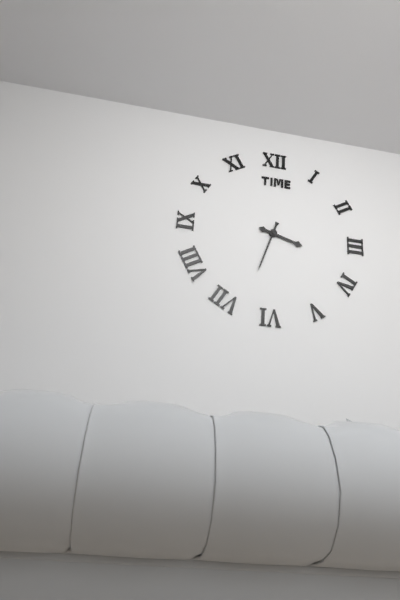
3:33
